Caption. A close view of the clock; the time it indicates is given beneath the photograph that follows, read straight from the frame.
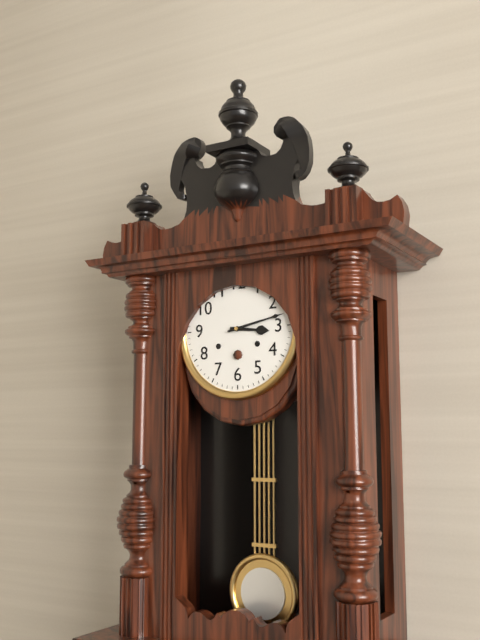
3:13
